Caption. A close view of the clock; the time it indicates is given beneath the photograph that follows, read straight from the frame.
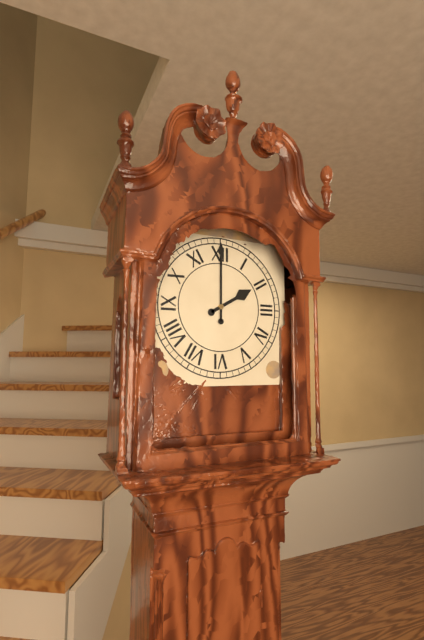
2:00
